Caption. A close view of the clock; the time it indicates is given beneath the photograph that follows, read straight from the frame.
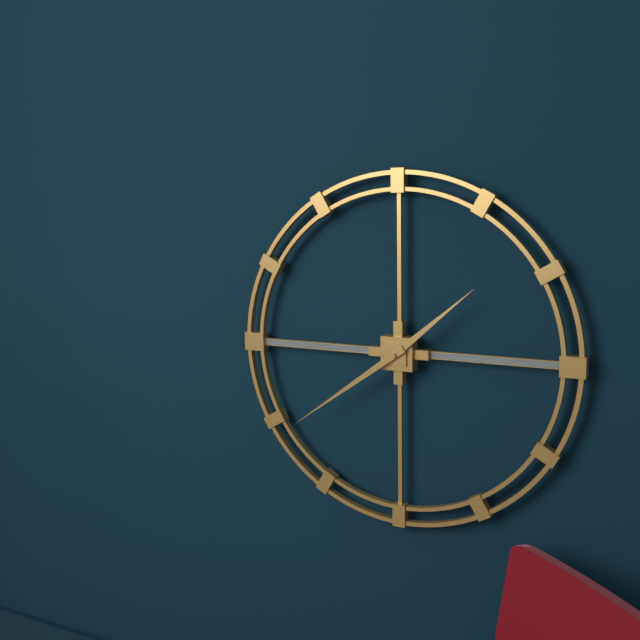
1:39
